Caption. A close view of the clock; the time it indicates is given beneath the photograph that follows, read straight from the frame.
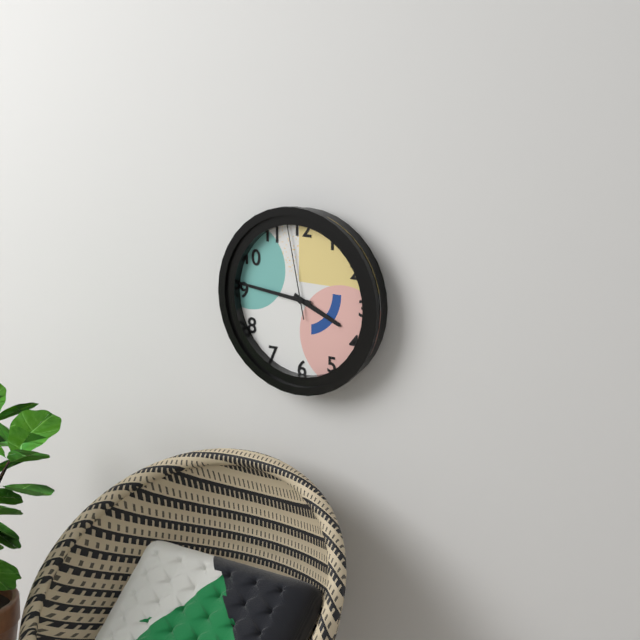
3:46:58
